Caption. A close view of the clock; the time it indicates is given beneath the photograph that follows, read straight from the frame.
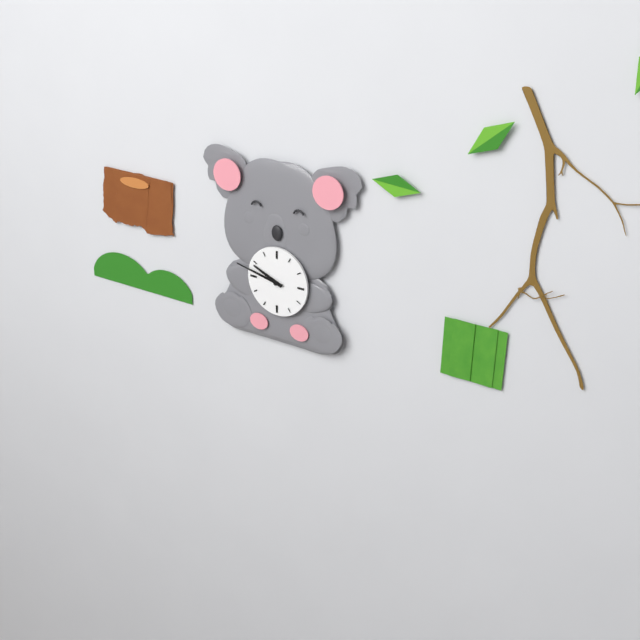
9:47
